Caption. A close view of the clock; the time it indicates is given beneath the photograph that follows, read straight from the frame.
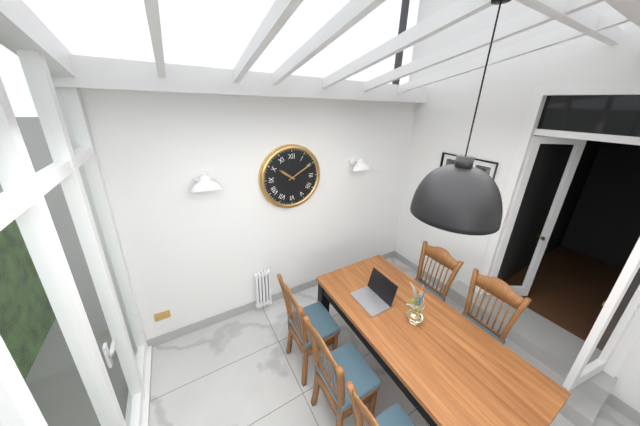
10:10
